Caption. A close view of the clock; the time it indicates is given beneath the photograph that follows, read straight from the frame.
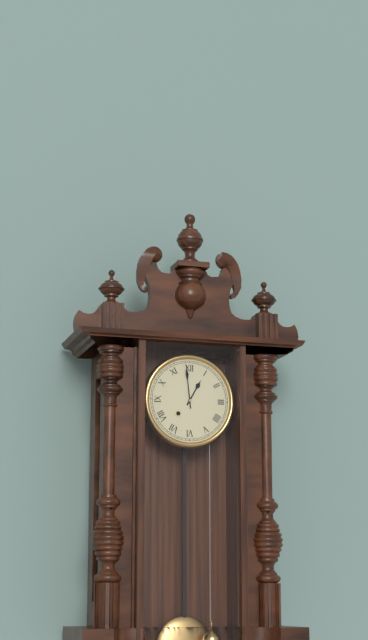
12:59
